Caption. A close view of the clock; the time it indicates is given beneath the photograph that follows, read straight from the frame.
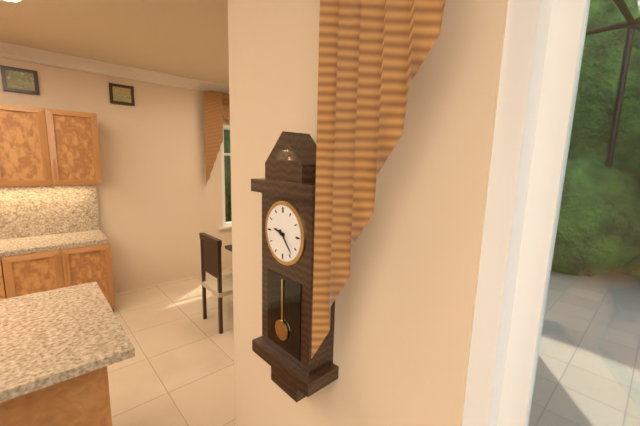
9:23
